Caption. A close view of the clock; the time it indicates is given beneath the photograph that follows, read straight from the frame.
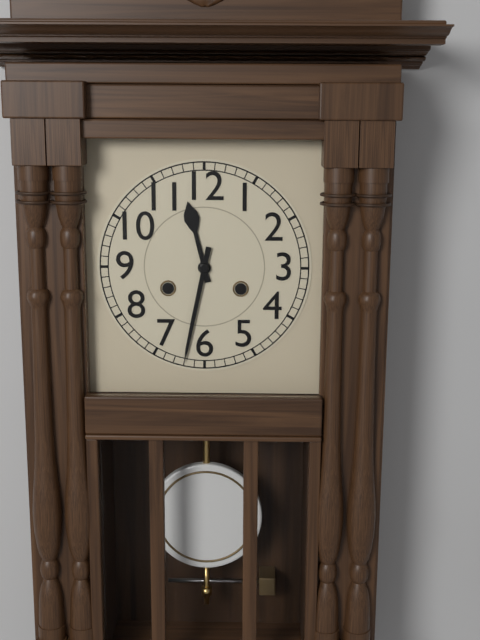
11:32
